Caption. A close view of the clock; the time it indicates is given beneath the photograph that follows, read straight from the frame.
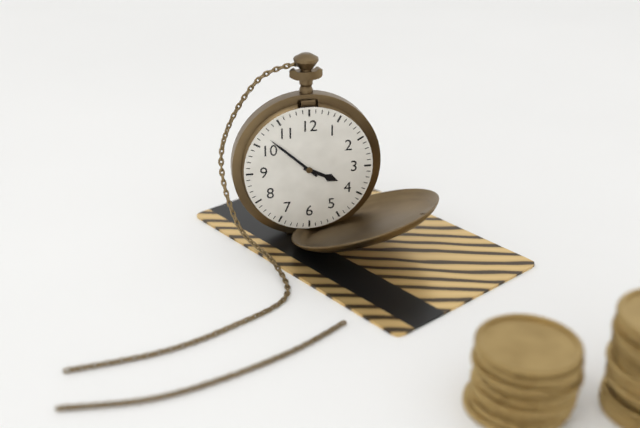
3:52
